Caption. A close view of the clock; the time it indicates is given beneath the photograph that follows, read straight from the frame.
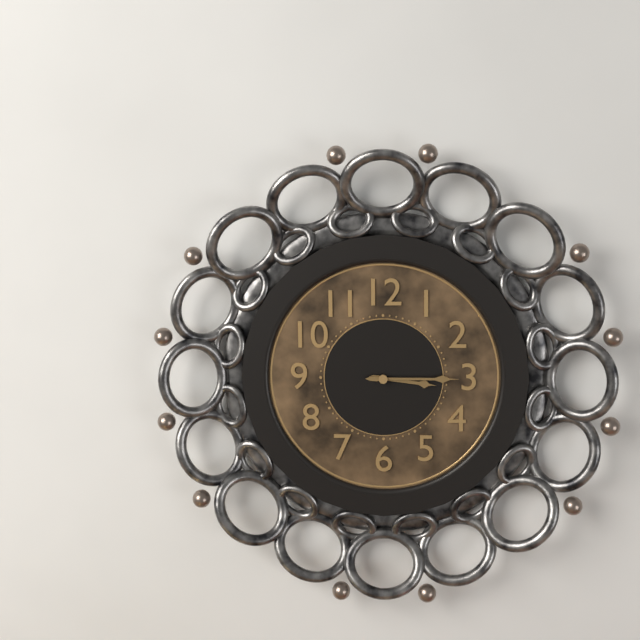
3:15
